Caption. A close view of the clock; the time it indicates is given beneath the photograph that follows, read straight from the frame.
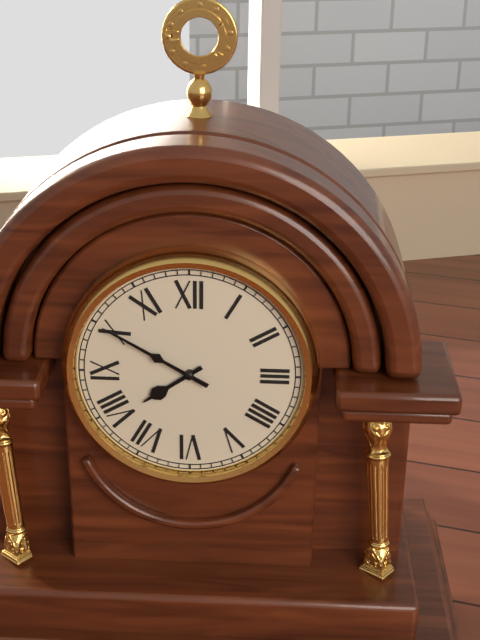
7:50
